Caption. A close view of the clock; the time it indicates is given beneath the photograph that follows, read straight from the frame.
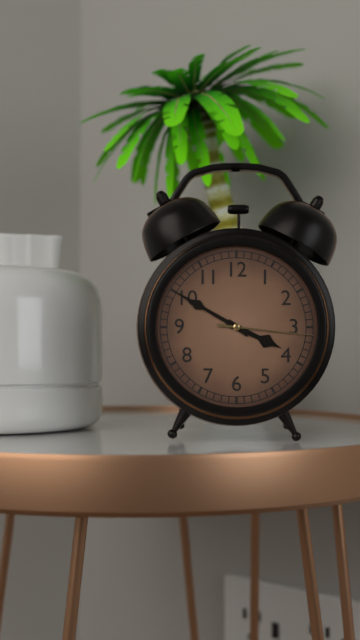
3:50:16
